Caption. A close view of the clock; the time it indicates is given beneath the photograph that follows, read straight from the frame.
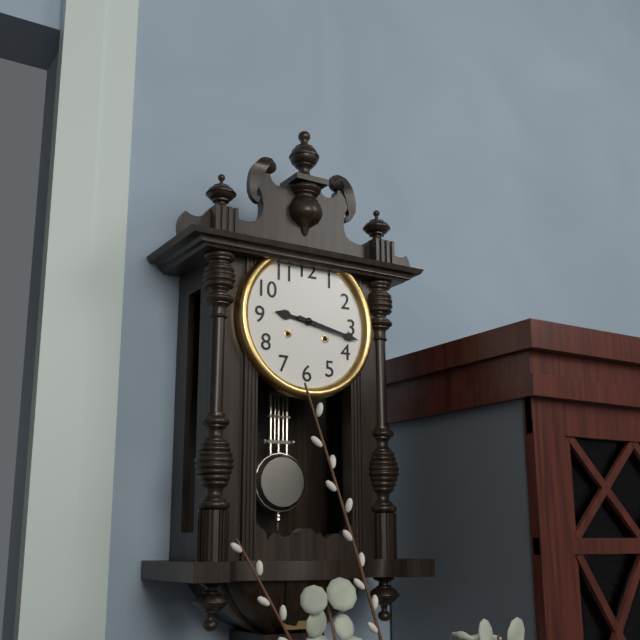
9:17
